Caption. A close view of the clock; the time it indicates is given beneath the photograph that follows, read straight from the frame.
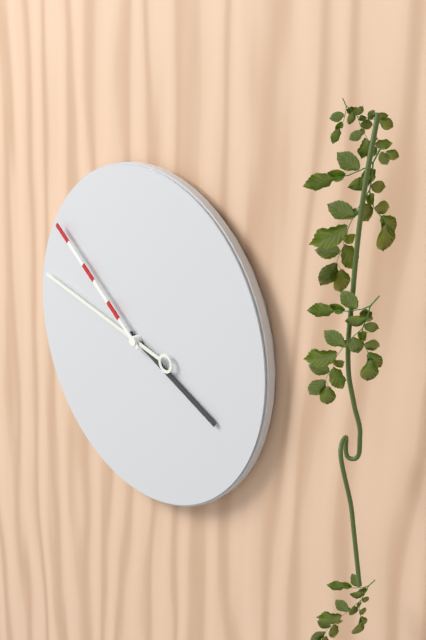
3:47:51
